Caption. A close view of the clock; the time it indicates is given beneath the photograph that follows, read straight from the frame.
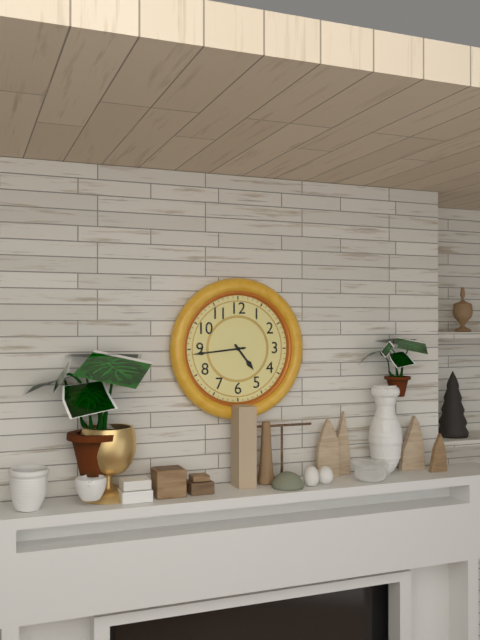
4:44
